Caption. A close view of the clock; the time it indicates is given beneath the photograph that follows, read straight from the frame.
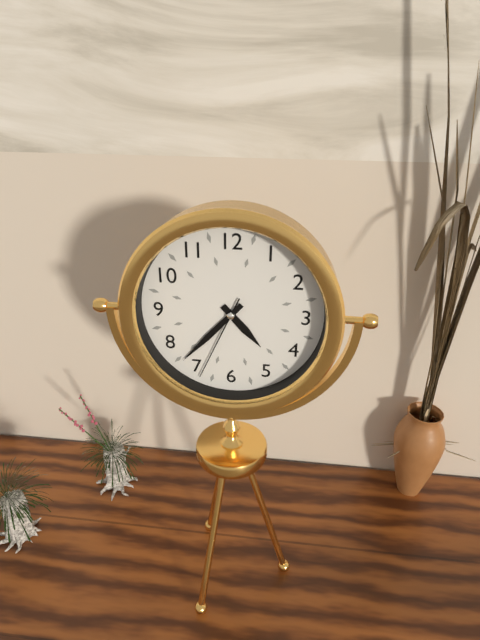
4:37:34
